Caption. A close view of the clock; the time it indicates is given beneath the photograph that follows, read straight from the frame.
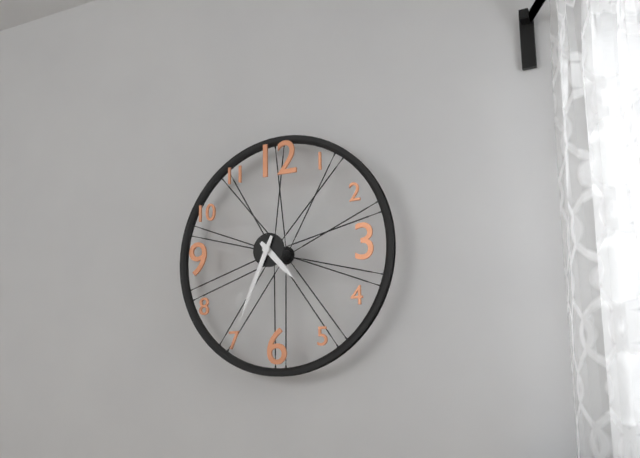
4:34
